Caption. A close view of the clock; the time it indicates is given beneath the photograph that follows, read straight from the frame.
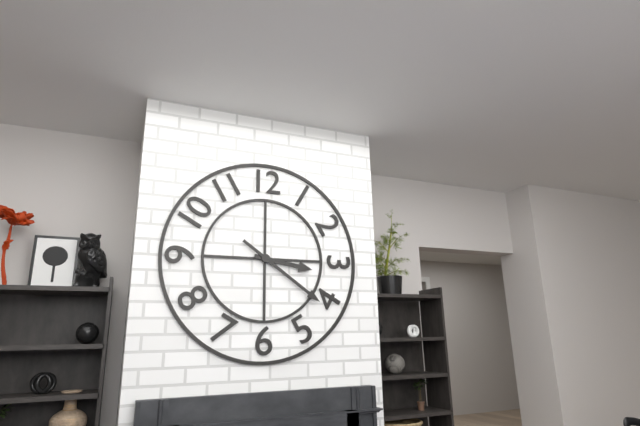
3:21
